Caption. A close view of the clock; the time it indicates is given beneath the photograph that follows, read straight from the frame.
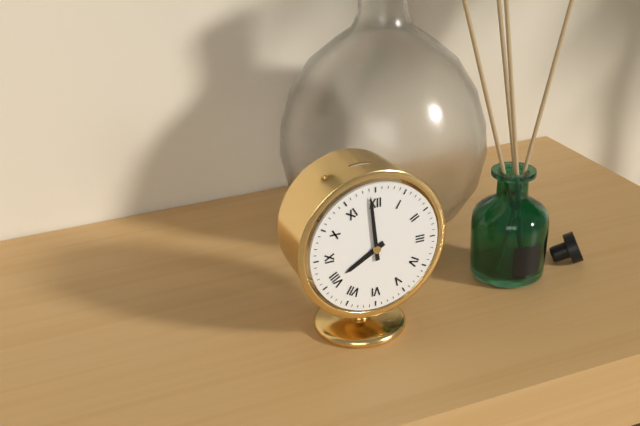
7:59
